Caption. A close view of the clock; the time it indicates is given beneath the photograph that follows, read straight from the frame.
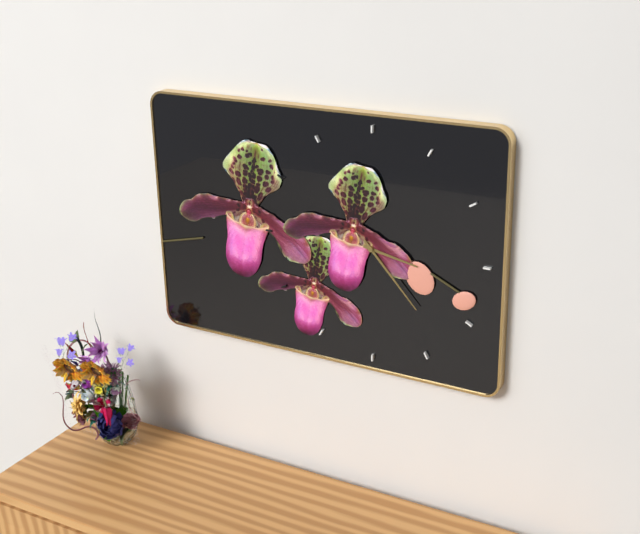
3:23
